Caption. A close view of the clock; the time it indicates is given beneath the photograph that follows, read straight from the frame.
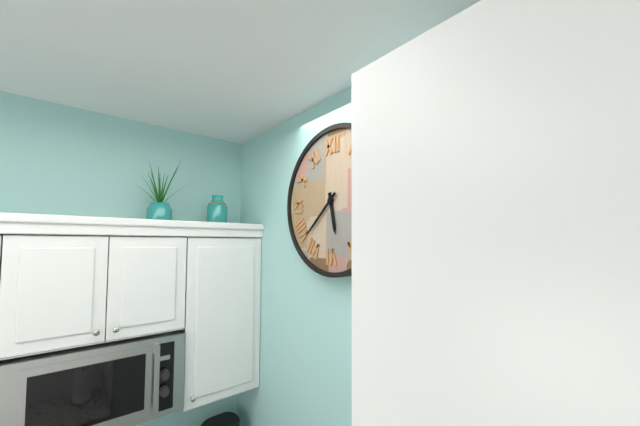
5:38
